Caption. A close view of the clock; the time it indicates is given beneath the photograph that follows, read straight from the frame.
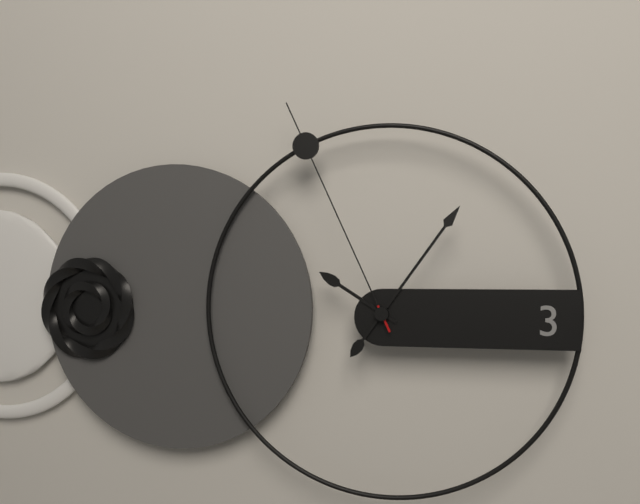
10:06:56
